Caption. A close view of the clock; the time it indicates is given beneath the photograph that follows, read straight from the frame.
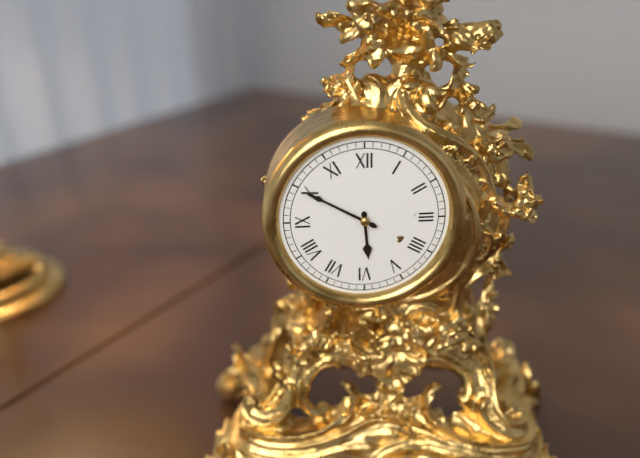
5:50
